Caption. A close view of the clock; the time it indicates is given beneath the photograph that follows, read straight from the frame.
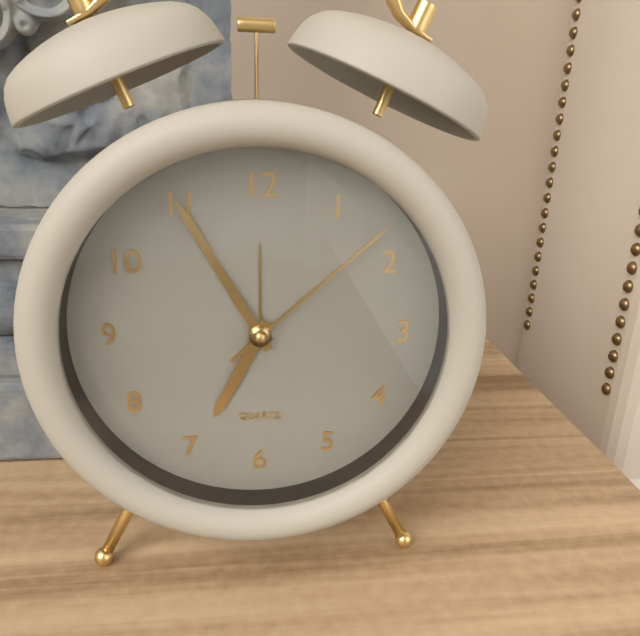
6:55:08
